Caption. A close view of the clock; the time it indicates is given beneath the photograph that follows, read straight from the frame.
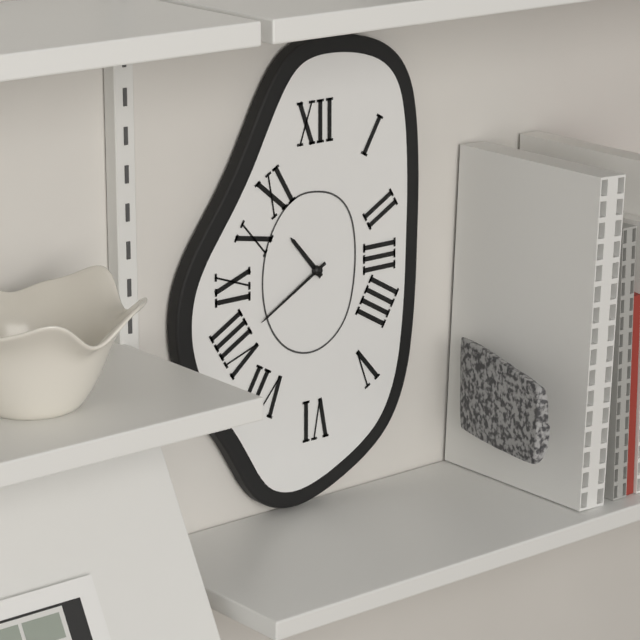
10:40
